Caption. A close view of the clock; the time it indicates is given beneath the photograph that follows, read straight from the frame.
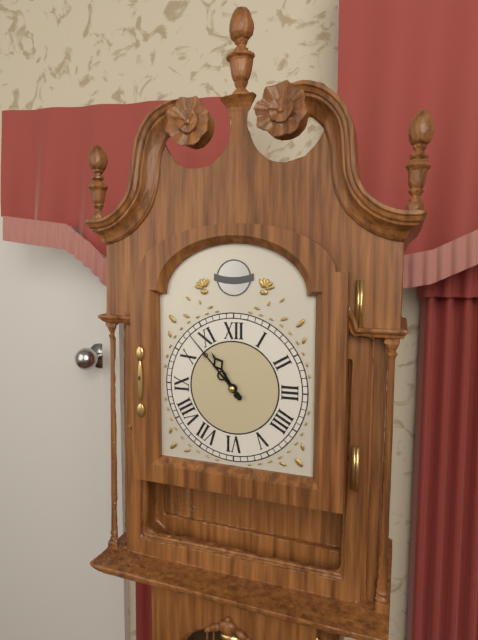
10:53
